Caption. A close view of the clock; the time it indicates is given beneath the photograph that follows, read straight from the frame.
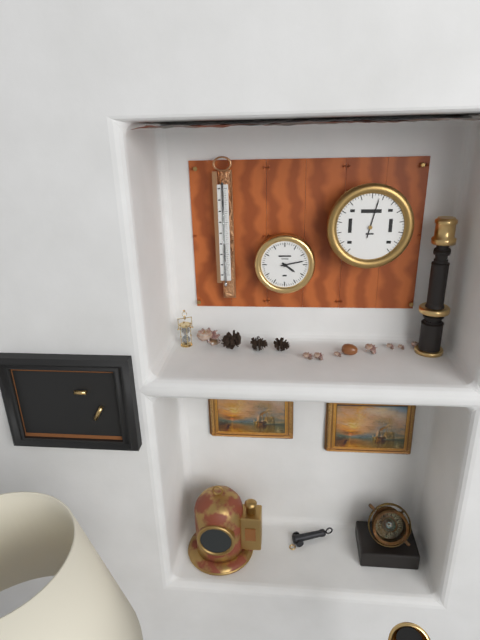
4:13
